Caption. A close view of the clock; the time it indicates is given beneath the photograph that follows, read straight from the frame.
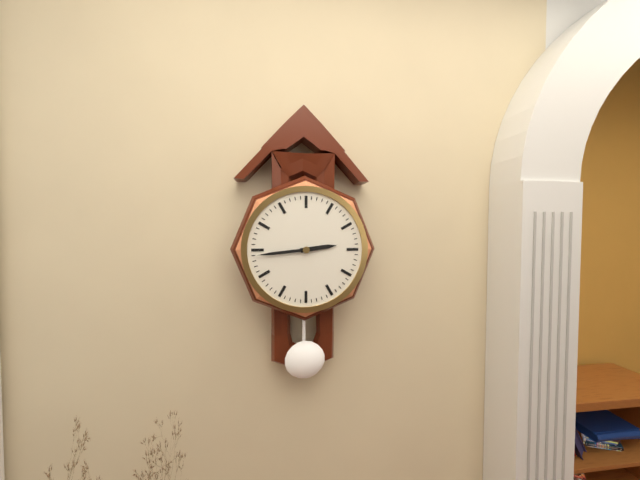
2:44
